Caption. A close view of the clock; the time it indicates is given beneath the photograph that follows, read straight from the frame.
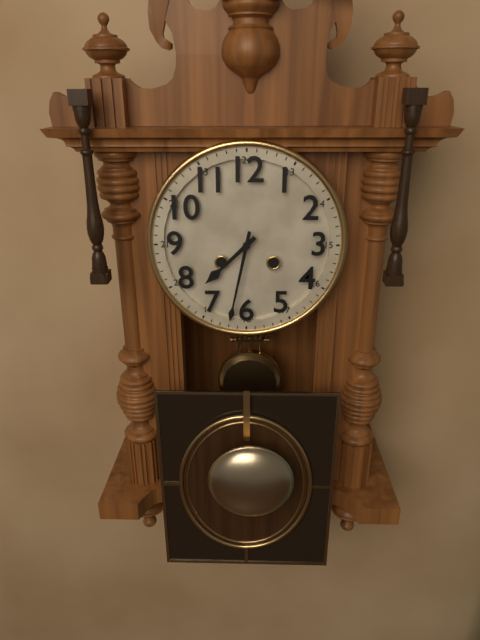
7:32
